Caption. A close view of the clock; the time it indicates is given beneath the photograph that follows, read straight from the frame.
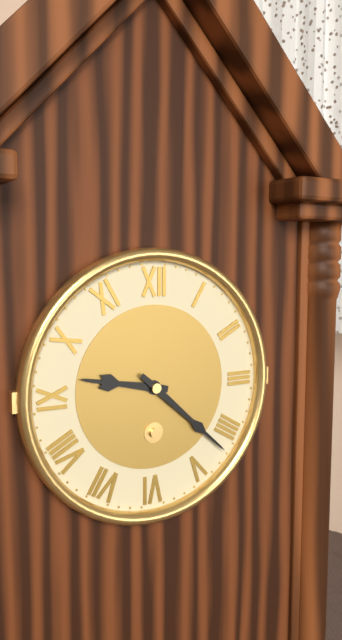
9:22
